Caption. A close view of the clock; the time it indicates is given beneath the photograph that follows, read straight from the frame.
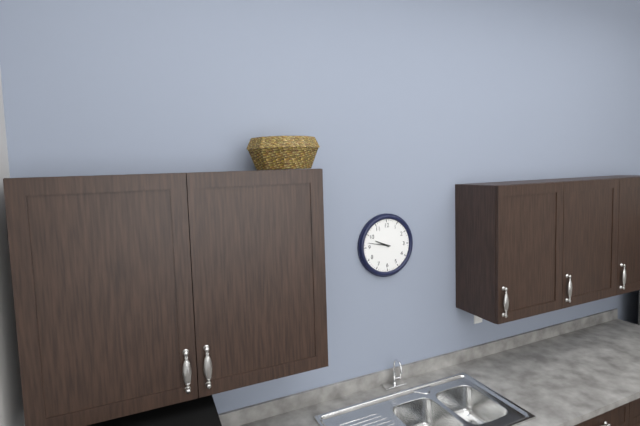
9:47
